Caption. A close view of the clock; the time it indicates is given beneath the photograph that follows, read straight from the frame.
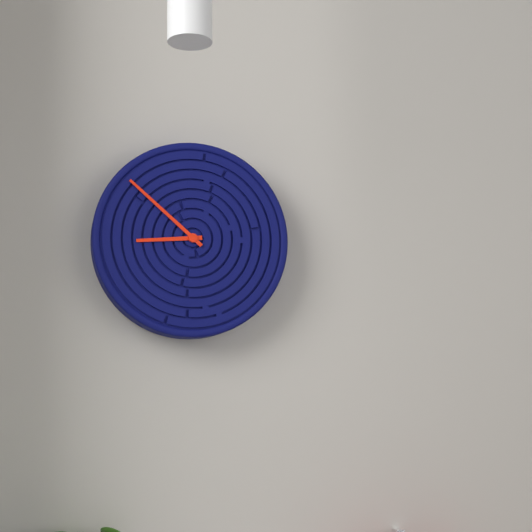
8:52
